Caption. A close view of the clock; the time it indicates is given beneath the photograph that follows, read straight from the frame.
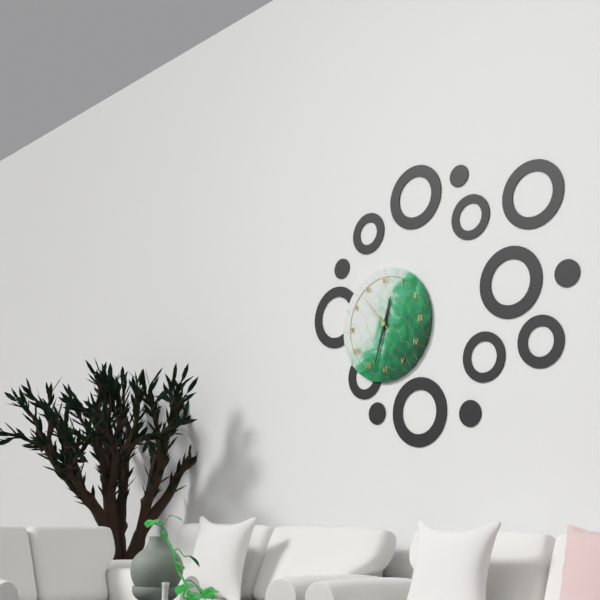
12:33
